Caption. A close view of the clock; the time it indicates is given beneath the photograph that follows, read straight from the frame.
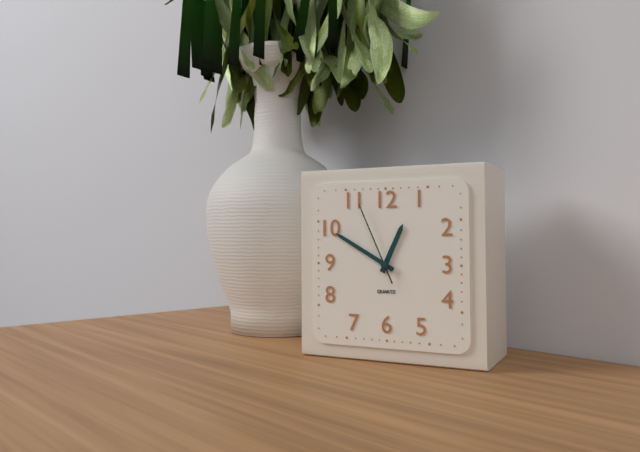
12:50:56
